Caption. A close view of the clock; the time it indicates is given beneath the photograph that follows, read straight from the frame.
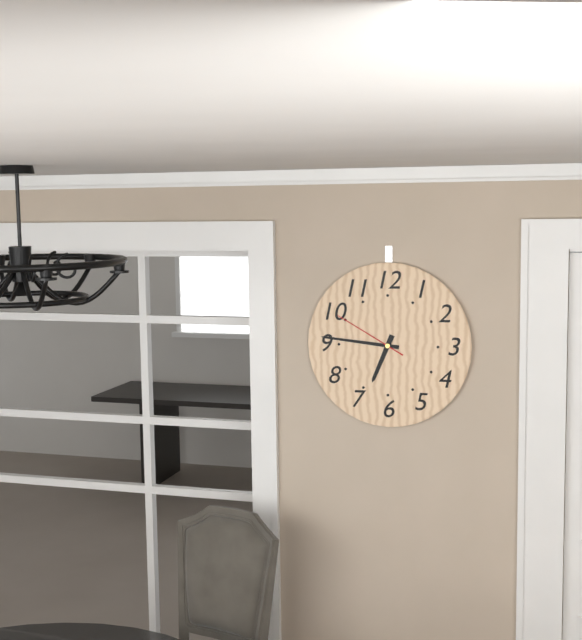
6:46:50
